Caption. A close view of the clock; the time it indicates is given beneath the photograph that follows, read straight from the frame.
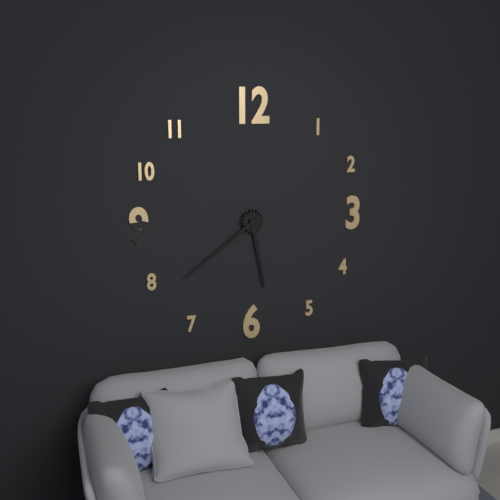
5:39
